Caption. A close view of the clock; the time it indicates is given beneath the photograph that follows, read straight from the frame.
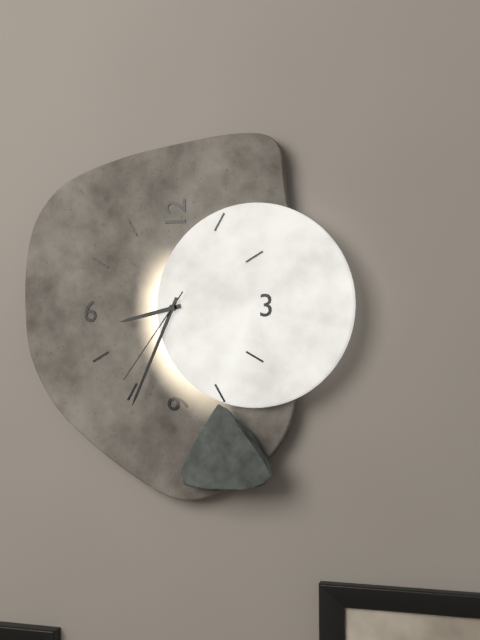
8:34:36
